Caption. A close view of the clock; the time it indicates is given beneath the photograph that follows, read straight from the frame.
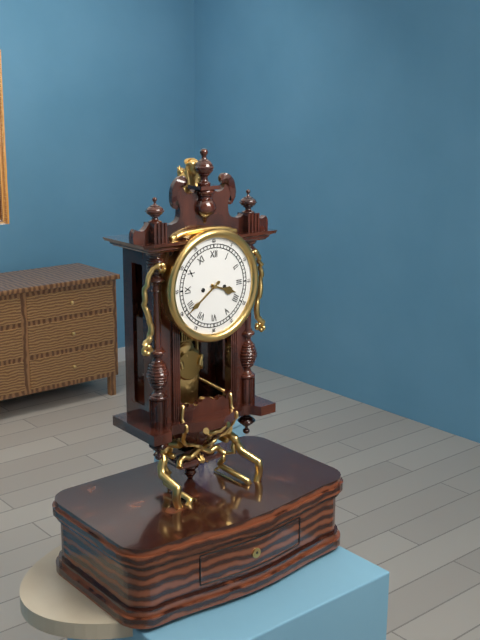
3:39
